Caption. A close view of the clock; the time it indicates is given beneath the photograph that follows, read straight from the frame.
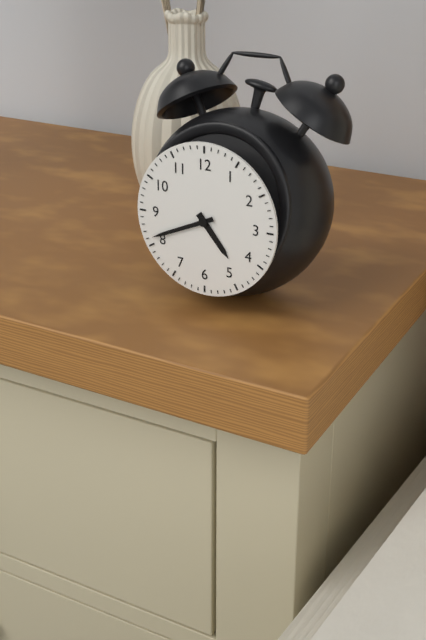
4:41
